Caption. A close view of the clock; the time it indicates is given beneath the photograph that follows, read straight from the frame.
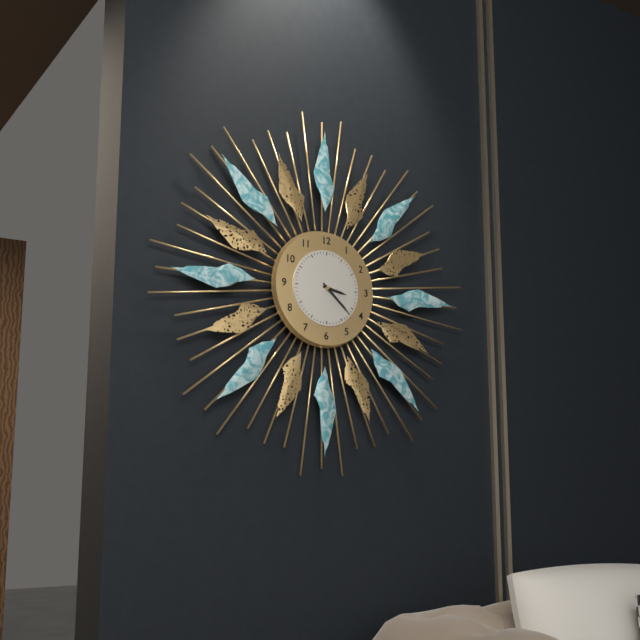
3:22
